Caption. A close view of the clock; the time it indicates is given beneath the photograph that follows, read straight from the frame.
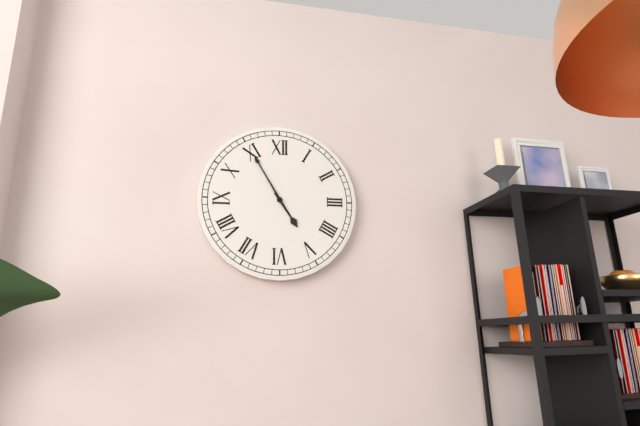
4:55
